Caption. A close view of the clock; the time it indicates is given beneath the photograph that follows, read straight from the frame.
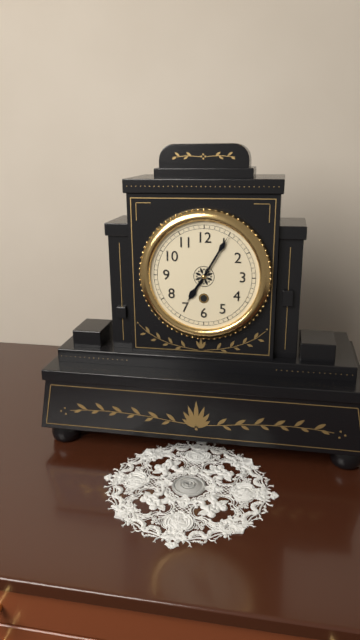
7:05
